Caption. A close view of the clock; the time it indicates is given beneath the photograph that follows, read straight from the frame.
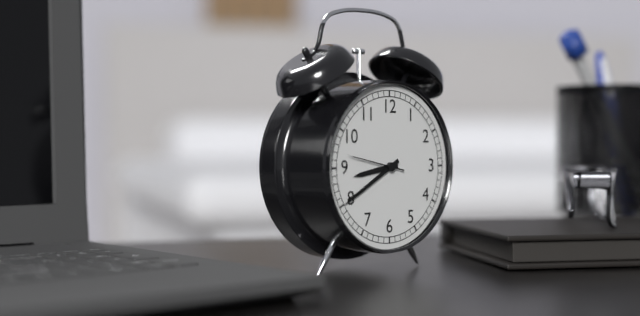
8:40:47
